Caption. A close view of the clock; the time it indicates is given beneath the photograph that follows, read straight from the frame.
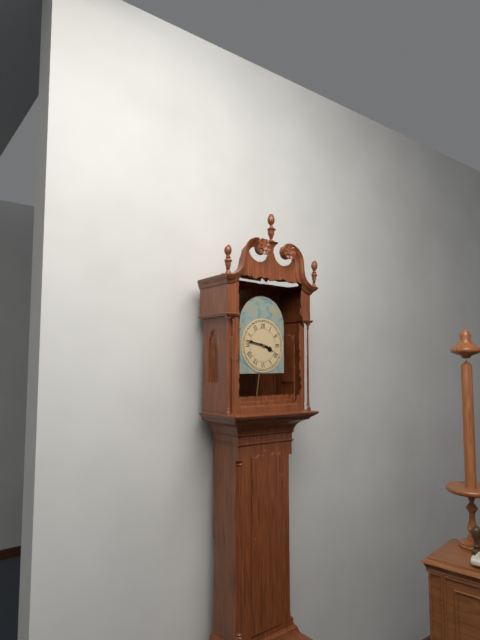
3:47
